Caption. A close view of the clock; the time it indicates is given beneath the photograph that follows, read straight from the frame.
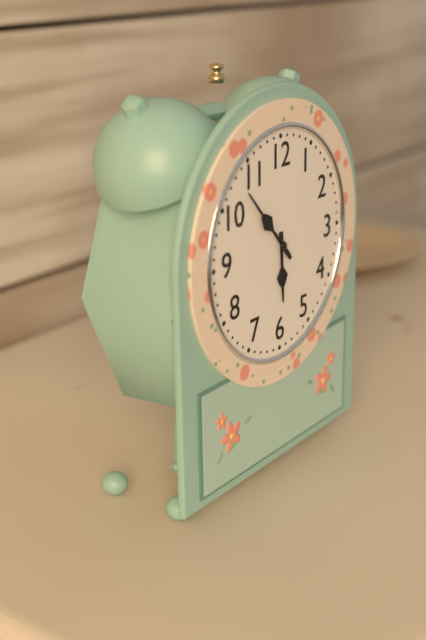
5:53
